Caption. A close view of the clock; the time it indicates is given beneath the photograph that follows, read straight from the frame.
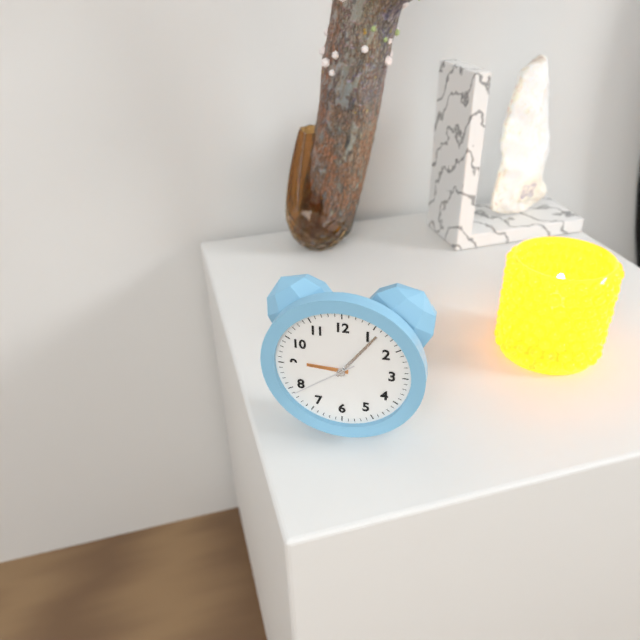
9:06:39
